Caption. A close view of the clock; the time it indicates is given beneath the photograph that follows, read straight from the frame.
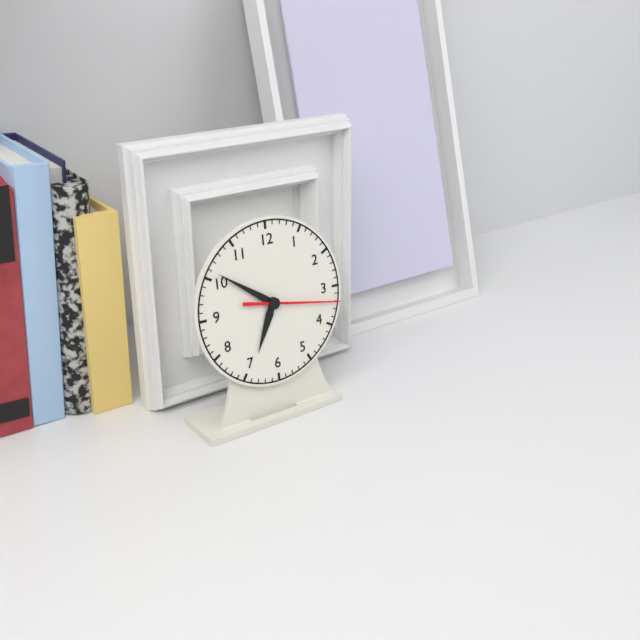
6:51:17
